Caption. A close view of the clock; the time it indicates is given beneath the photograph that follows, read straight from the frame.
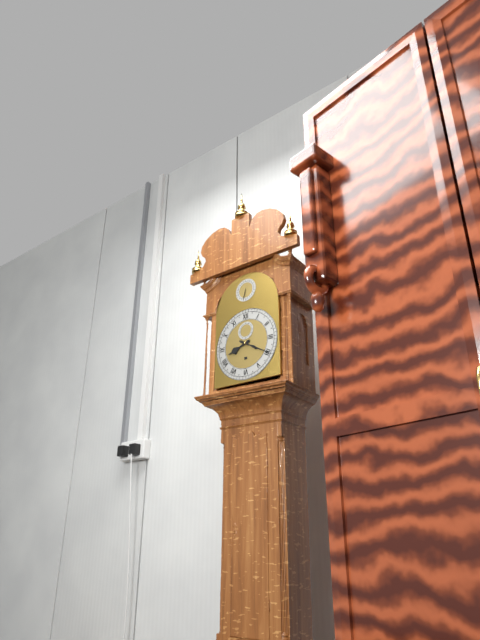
8:20
